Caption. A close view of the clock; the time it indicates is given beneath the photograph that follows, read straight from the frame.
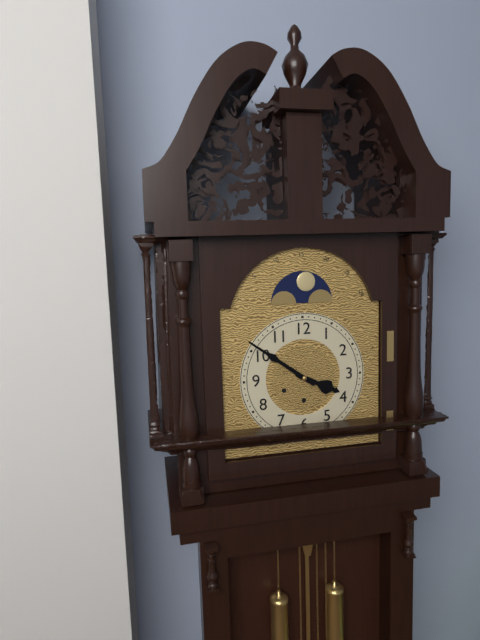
3:51
